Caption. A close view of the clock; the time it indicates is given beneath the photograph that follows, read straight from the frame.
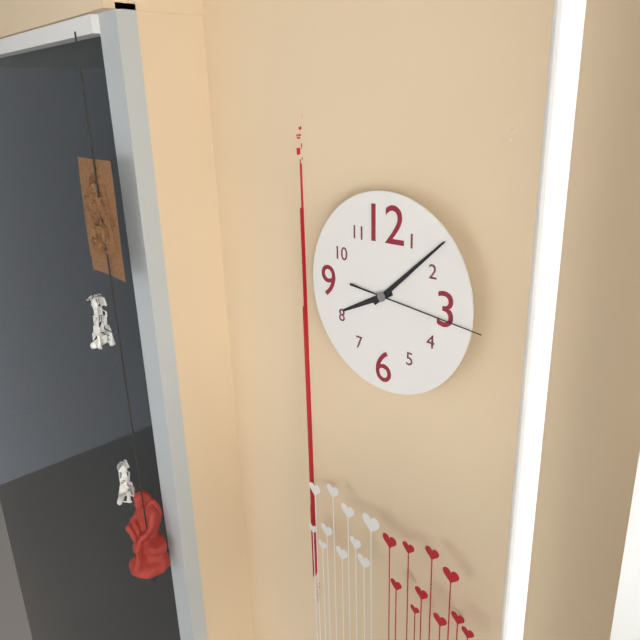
8:08:16
